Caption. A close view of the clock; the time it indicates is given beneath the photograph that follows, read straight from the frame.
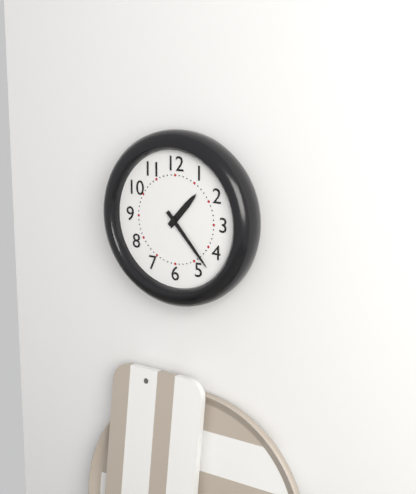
1:23
